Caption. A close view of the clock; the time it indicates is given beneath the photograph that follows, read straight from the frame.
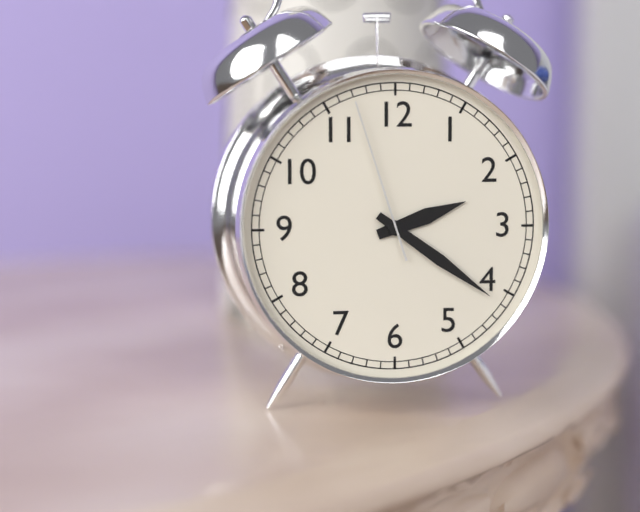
2:21:57
